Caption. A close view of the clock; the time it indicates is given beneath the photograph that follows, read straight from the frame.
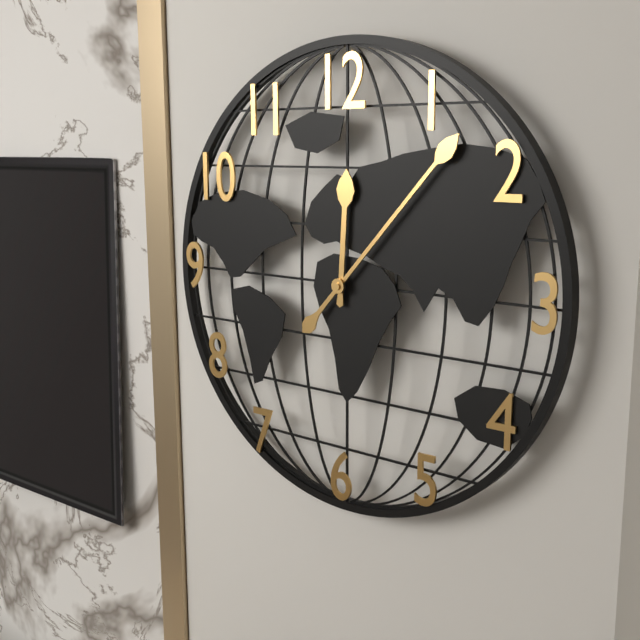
12:07
